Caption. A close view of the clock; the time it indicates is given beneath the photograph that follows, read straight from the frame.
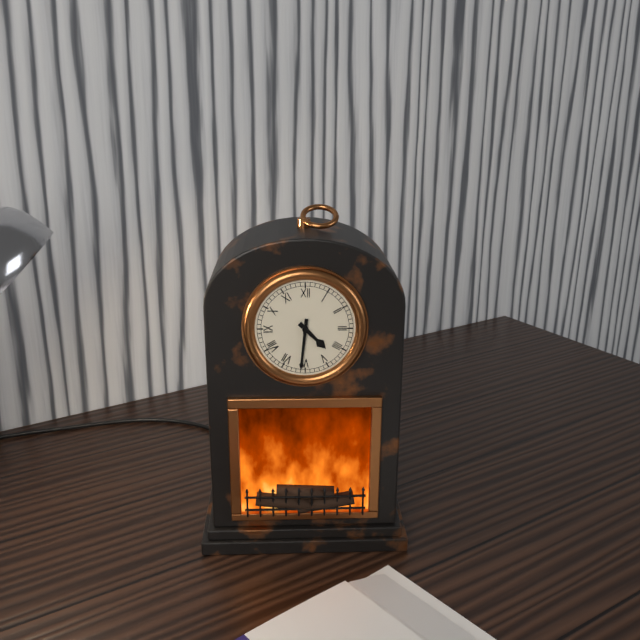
4:31
